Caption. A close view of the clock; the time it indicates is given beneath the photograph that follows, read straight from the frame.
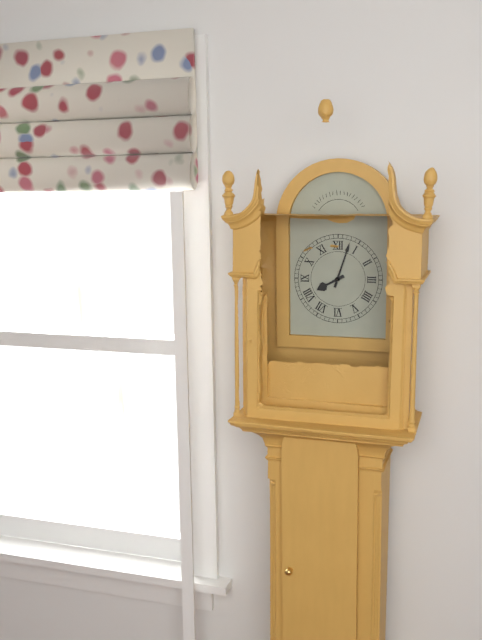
8:03
